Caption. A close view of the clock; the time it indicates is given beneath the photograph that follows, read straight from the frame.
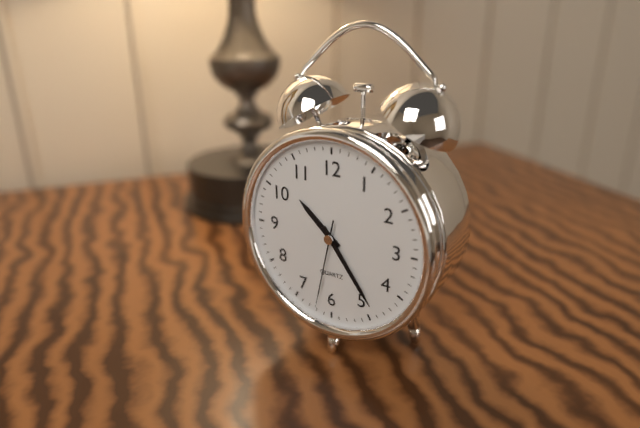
10:24:32
